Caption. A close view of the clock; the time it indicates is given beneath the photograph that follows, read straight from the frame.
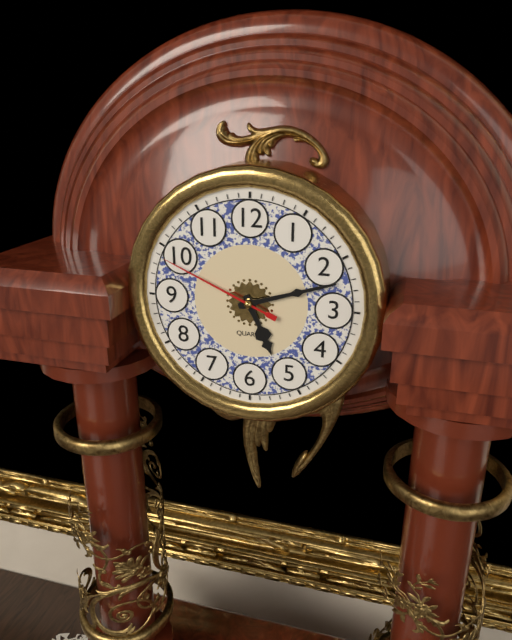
5:12:49
